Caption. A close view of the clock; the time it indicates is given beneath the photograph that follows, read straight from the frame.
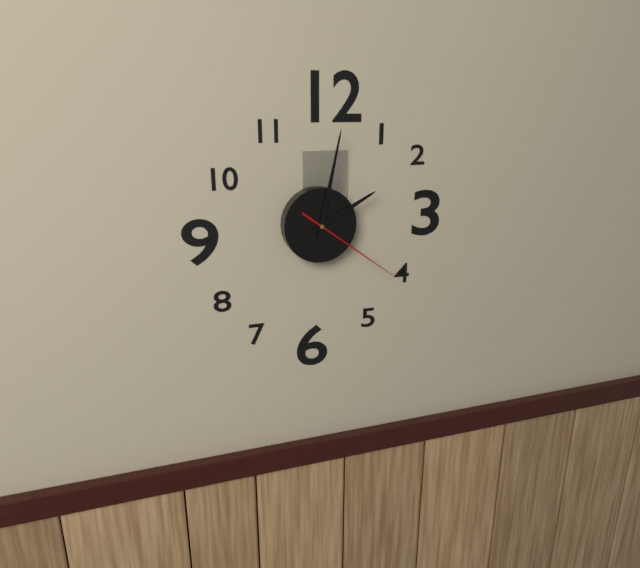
2:02:21
